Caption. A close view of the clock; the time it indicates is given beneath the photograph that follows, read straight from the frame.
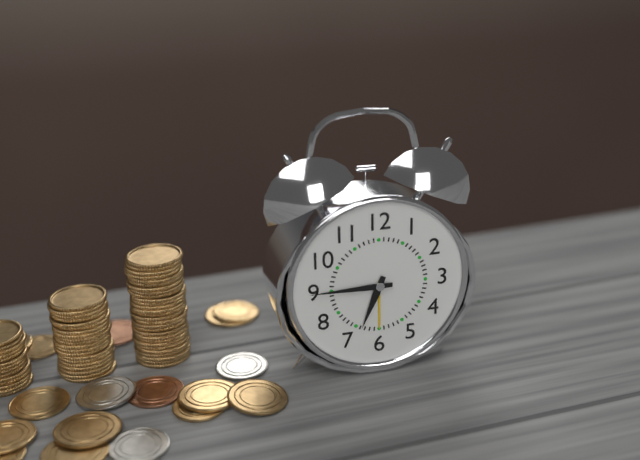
6:45
